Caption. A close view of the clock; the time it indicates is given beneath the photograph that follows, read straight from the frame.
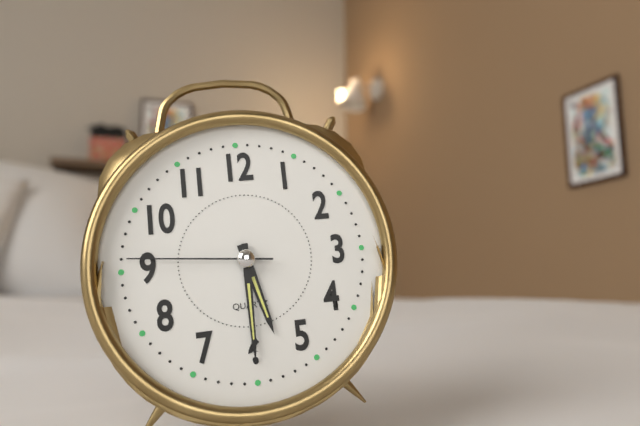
5:30:46
